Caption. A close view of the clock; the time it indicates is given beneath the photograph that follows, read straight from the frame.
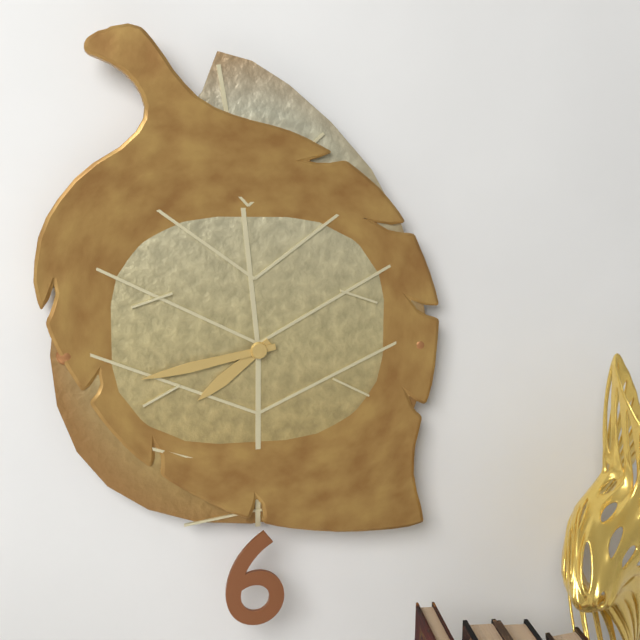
7:43
